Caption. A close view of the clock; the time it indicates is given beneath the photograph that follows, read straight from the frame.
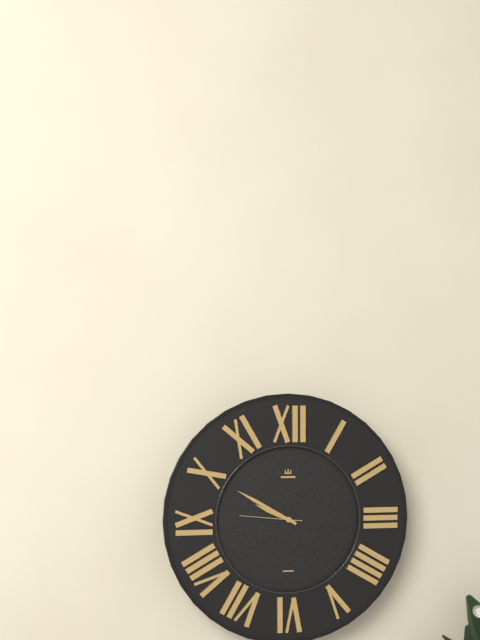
9:50:46
